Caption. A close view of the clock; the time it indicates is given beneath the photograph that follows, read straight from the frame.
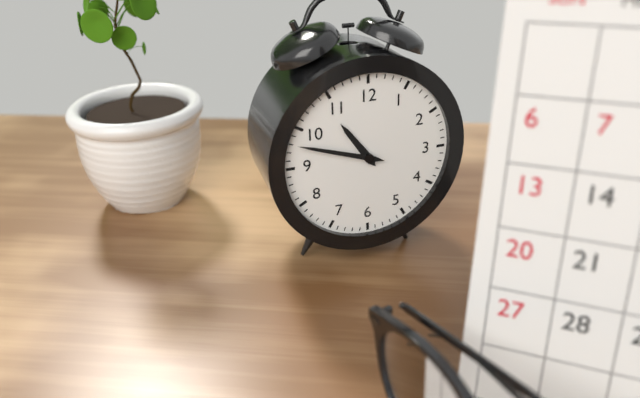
10:48
